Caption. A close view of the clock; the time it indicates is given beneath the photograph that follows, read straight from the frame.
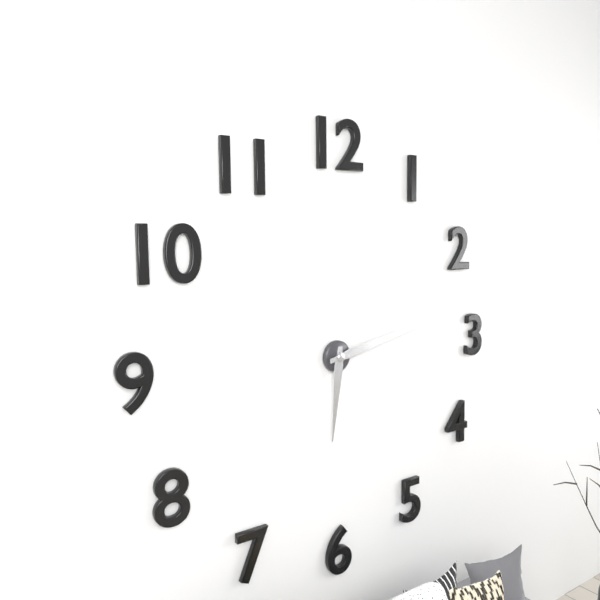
6:13
